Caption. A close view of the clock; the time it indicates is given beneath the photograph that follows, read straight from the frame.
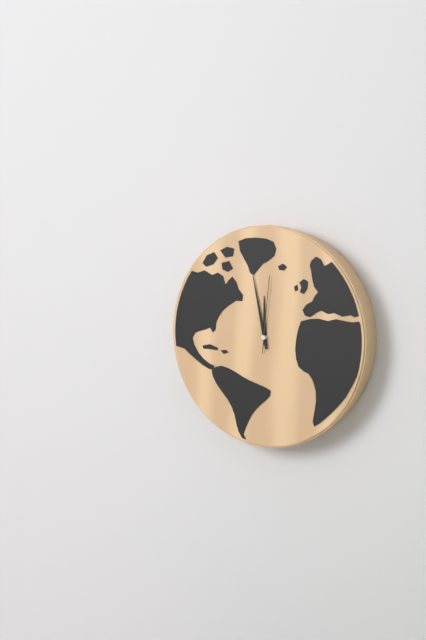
11:58:01
